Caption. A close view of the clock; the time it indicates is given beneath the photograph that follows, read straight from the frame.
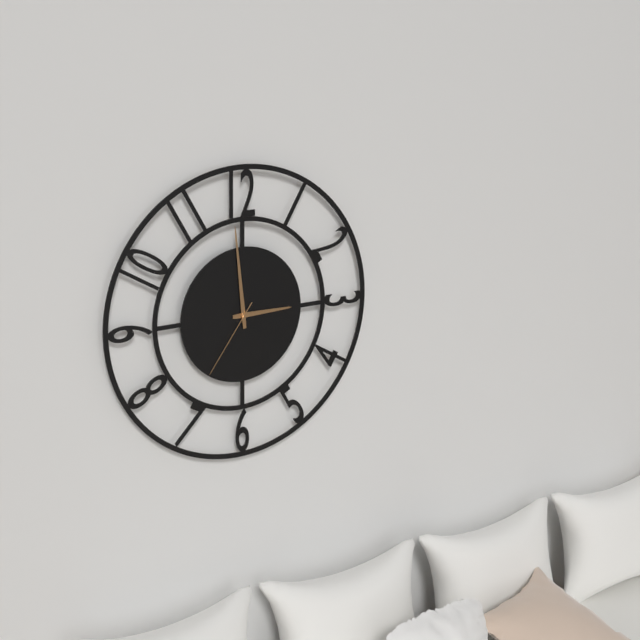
2:59:36
